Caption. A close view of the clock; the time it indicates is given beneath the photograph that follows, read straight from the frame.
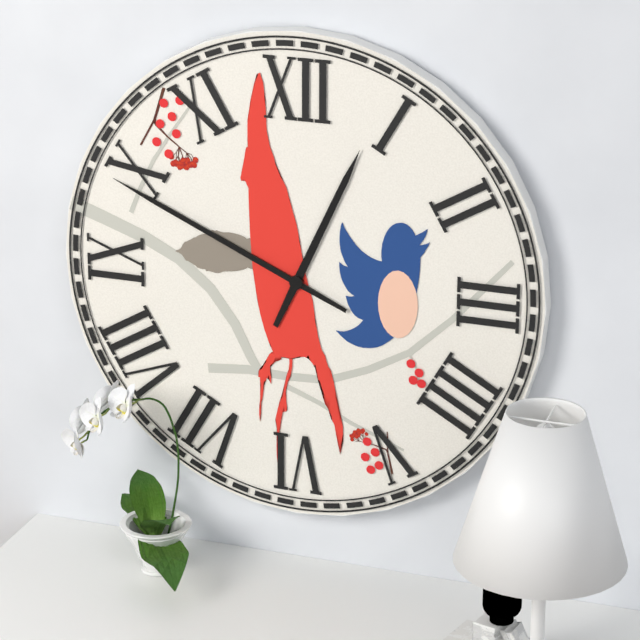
12:49
